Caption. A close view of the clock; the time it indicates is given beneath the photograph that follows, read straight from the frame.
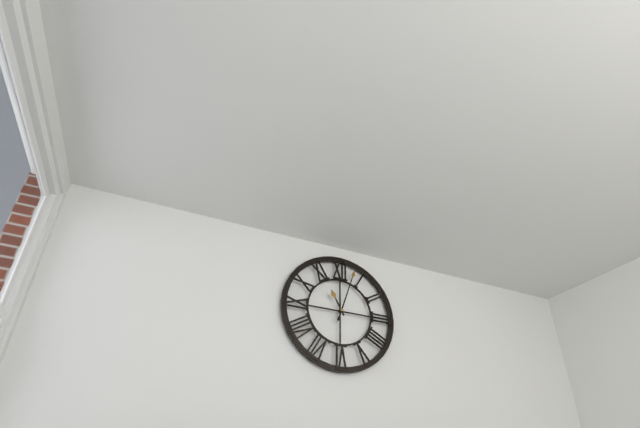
11:03
